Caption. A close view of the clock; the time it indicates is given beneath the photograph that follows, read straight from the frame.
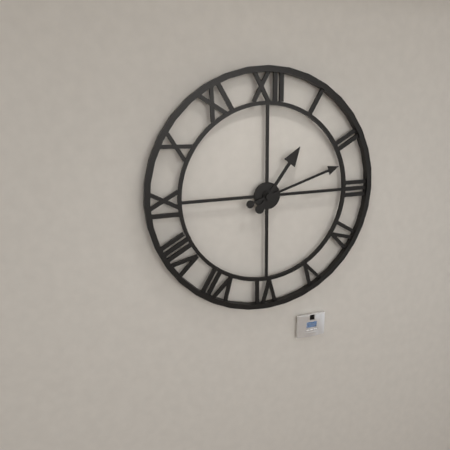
1:12
